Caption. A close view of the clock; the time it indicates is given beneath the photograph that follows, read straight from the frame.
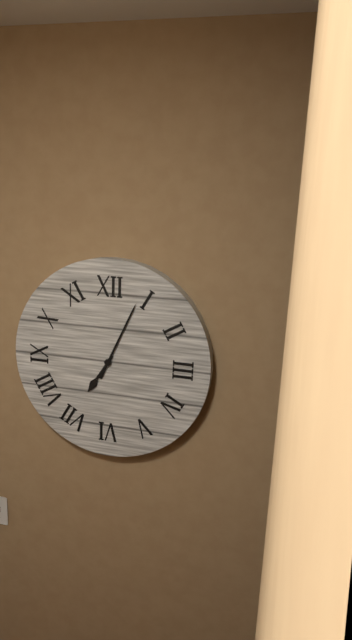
7:04
